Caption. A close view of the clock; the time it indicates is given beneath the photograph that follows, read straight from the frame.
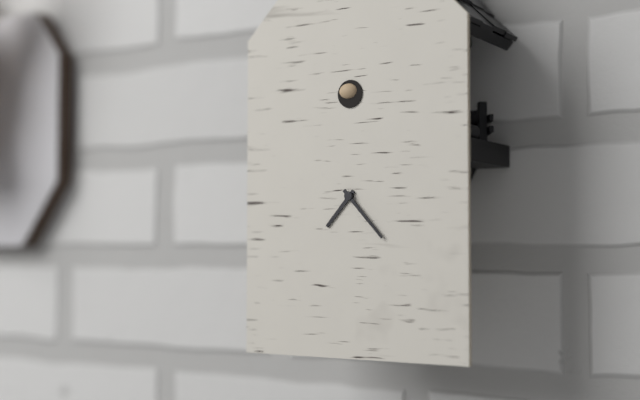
7:23
